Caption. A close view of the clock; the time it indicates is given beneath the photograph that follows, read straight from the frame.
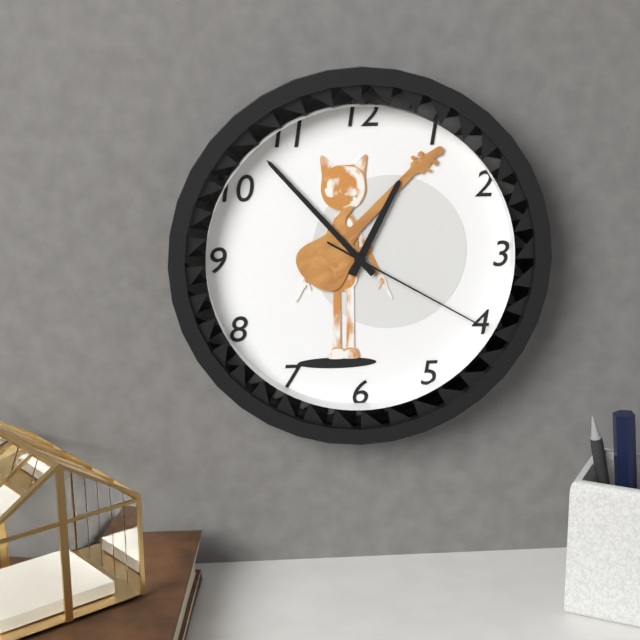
12:53:20
